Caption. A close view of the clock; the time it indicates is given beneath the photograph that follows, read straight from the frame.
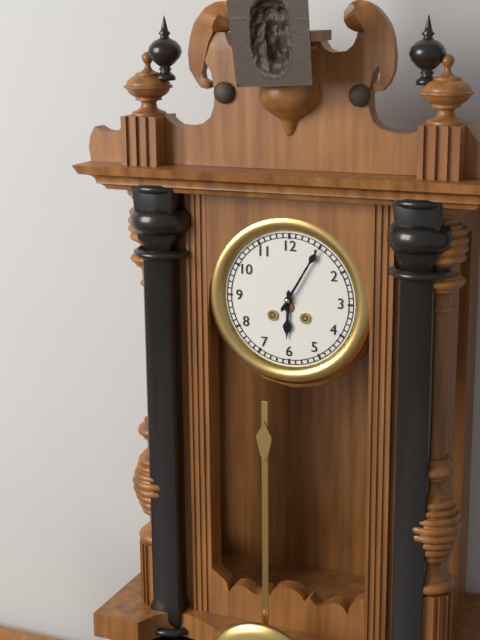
6:05
